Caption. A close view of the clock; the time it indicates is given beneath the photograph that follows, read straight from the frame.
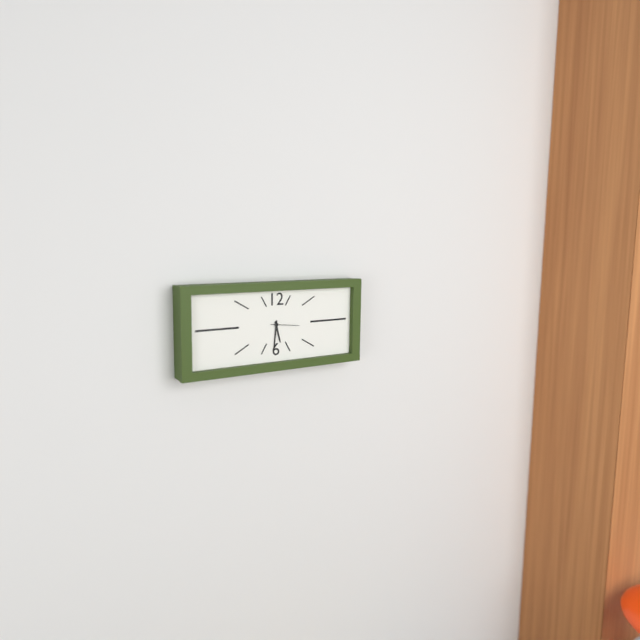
5:31
